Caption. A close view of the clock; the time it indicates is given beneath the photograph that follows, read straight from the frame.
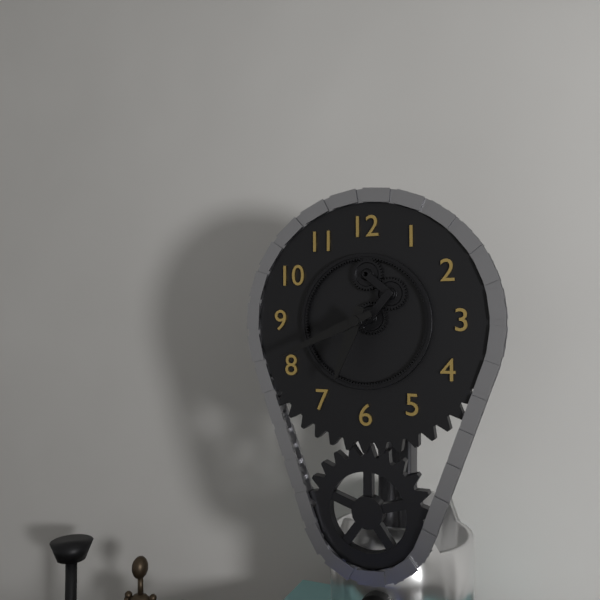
6:41
